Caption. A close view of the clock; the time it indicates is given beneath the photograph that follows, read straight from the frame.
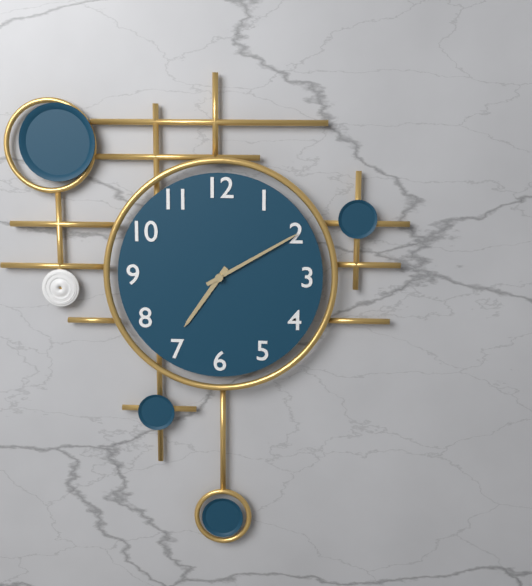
7:10
